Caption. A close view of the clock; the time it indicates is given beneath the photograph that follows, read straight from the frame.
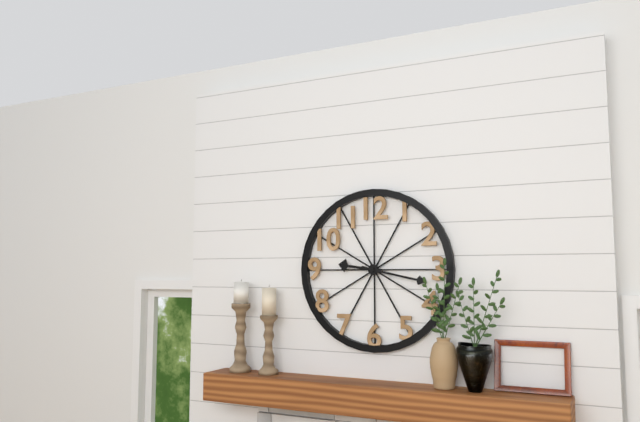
9:17
